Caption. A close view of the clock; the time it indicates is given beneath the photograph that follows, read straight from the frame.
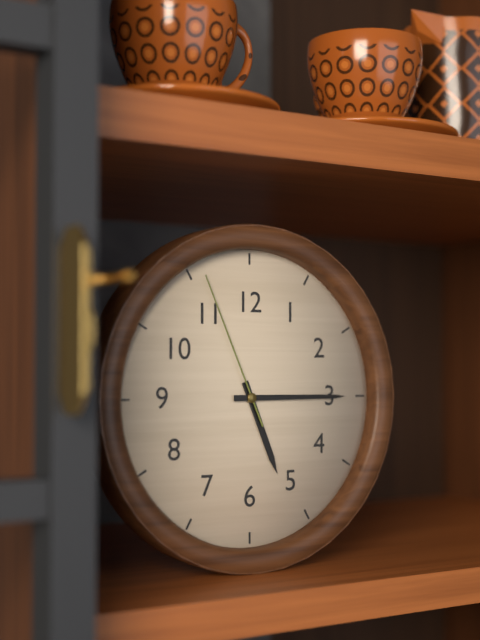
5:15:56
